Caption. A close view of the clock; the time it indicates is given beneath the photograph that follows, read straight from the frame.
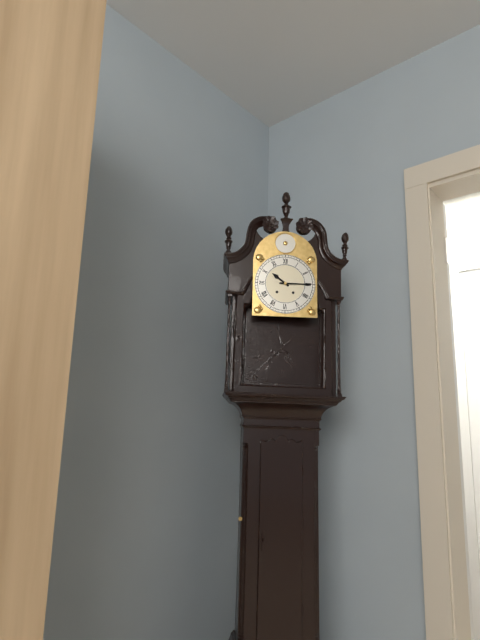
10:15
